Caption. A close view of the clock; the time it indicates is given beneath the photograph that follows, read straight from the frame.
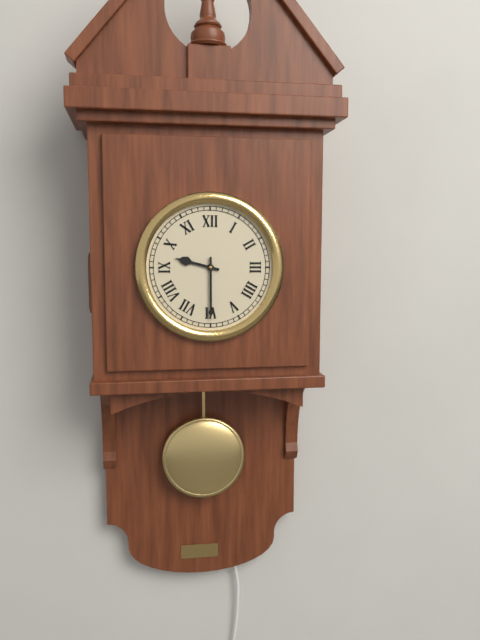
9:30
